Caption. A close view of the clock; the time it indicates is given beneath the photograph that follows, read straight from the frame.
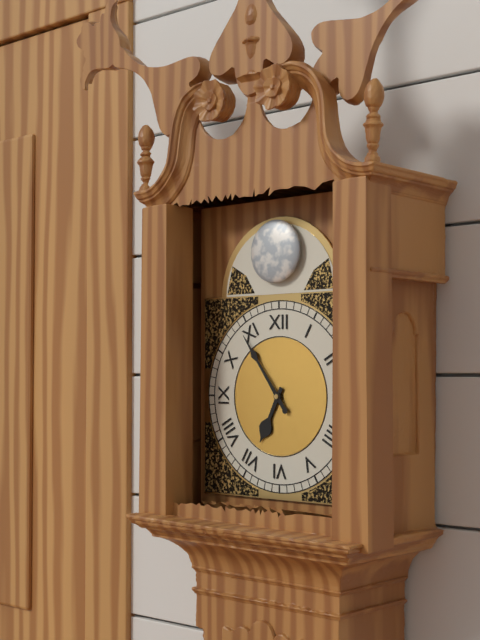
6:54
